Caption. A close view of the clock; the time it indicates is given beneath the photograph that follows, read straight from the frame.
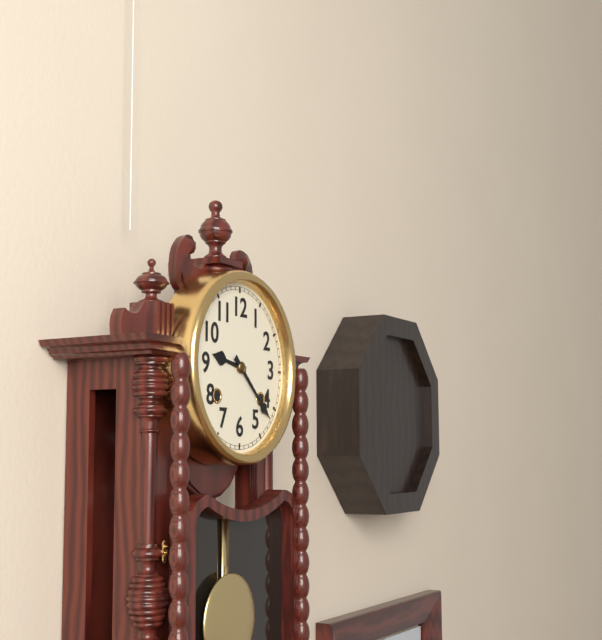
9:22
